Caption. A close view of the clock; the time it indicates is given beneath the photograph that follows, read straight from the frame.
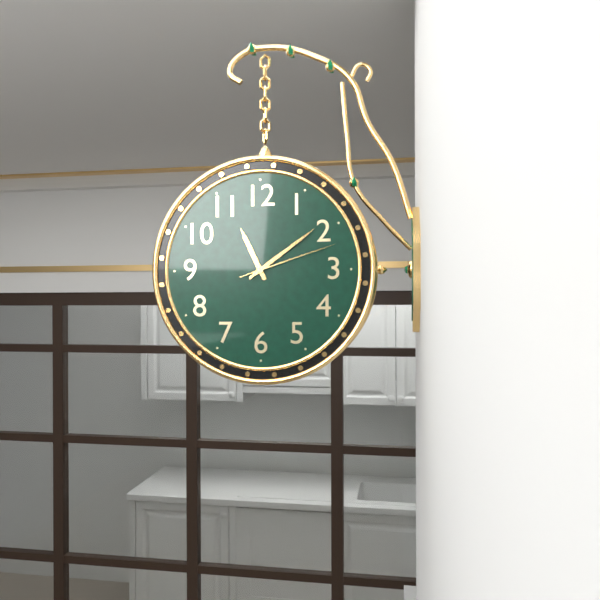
11:09:12
